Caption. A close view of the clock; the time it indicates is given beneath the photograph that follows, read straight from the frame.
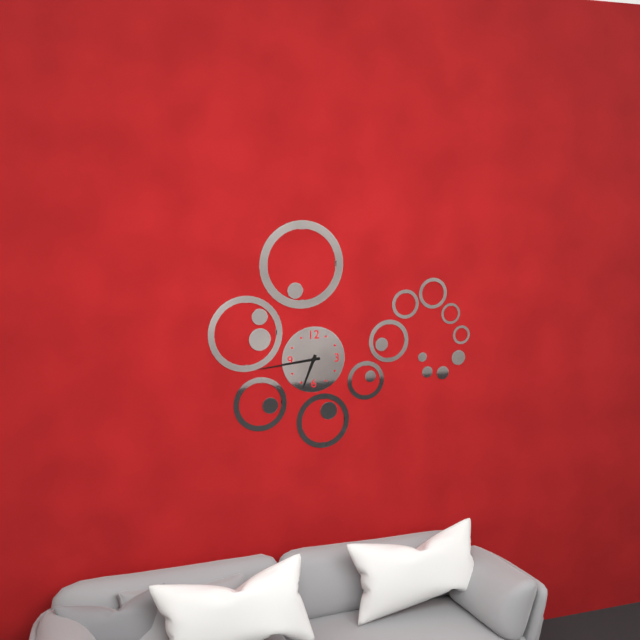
6:44
